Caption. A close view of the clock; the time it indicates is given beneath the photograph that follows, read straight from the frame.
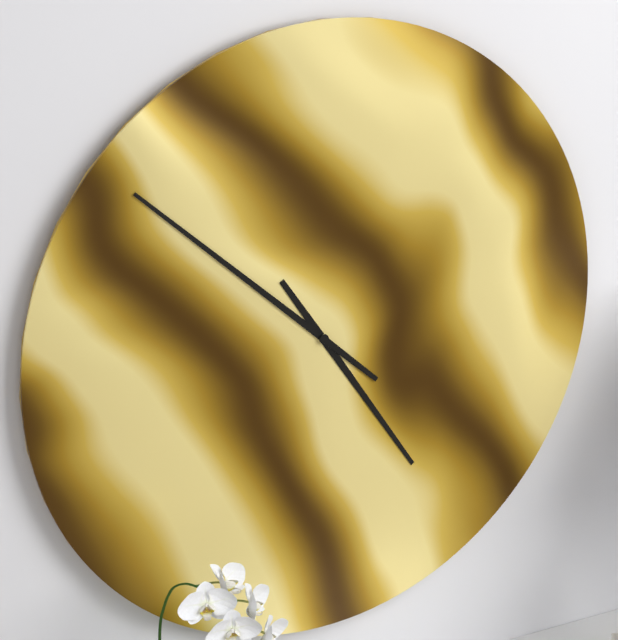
4:52
